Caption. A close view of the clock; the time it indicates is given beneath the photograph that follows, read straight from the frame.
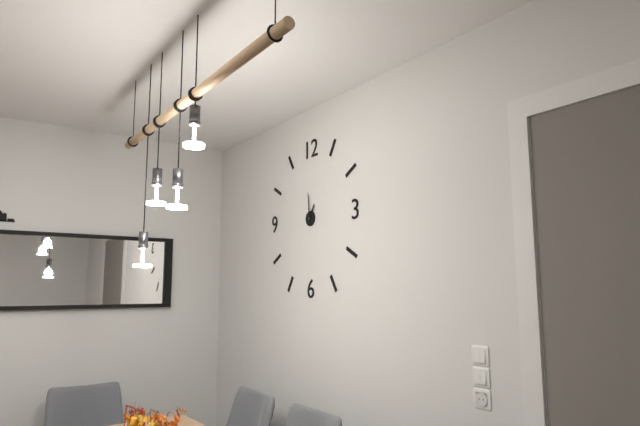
12:59
